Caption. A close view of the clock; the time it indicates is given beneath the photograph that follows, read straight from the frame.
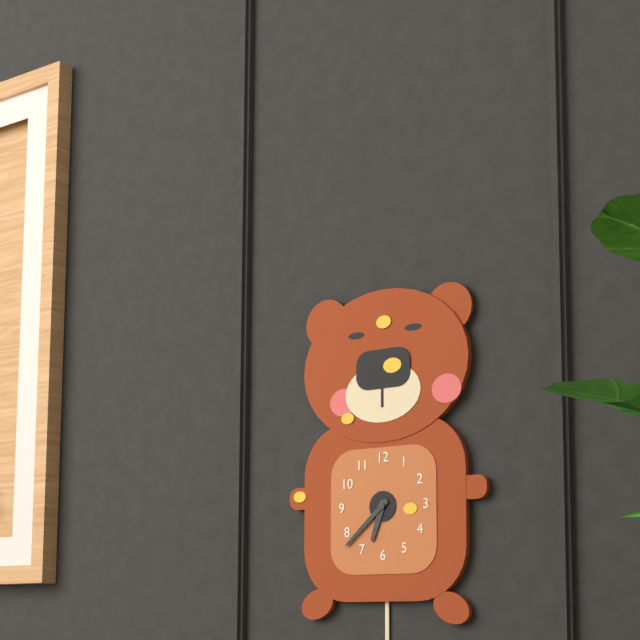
6:38
